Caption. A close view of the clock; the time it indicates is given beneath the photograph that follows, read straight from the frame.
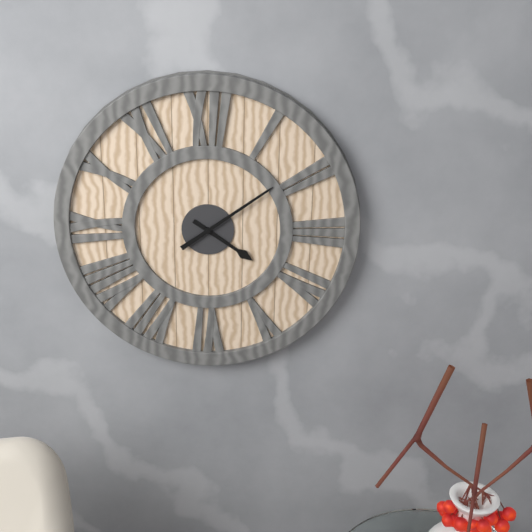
4:09
